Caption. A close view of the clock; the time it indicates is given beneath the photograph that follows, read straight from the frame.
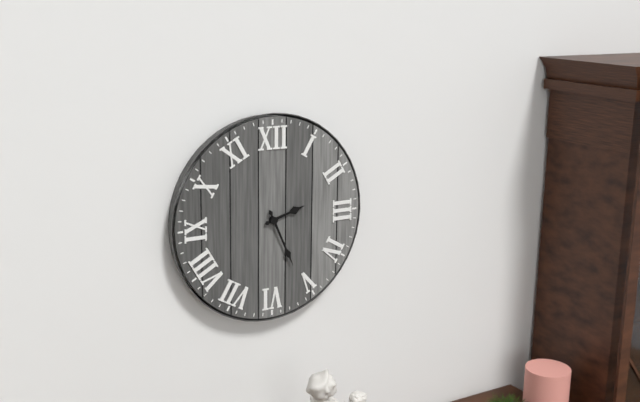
2:26
